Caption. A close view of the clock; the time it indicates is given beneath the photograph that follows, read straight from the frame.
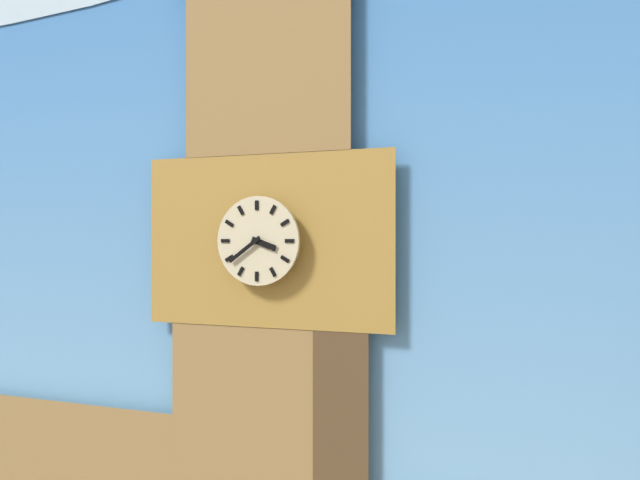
3:39
